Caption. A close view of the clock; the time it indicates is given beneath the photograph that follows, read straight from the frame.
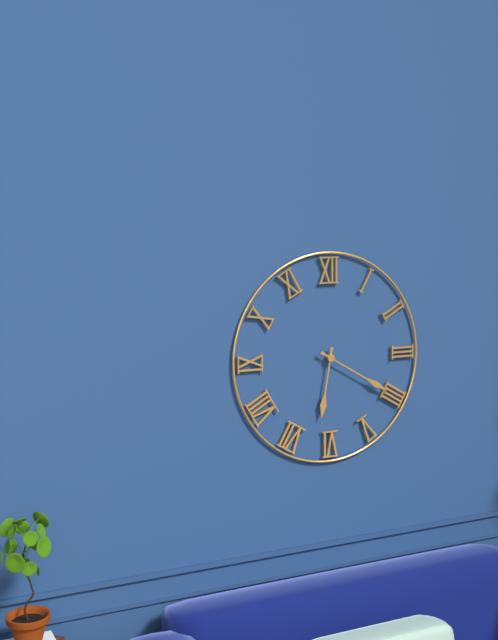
6:20
